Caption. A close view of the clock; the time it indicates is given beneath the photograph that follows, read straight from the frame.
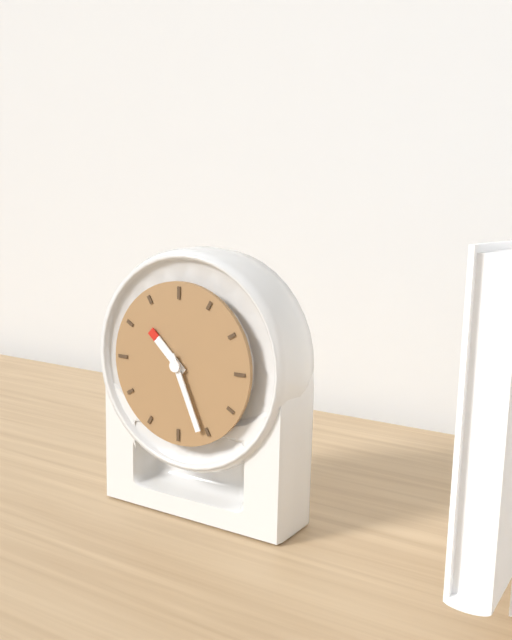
10:26
